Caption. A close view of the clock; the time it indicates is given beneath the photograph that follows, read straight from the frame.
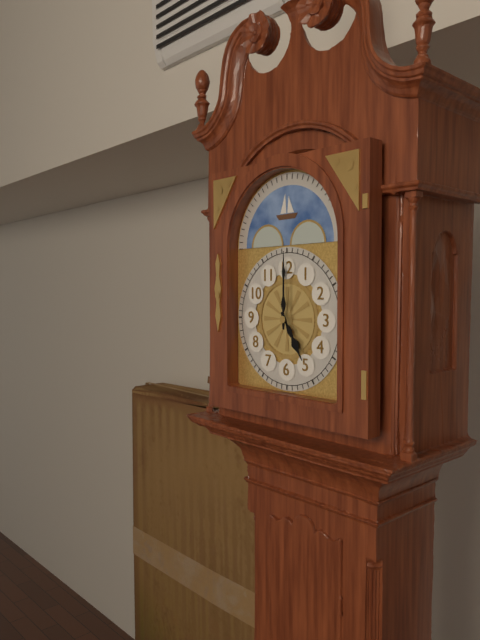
5:00
